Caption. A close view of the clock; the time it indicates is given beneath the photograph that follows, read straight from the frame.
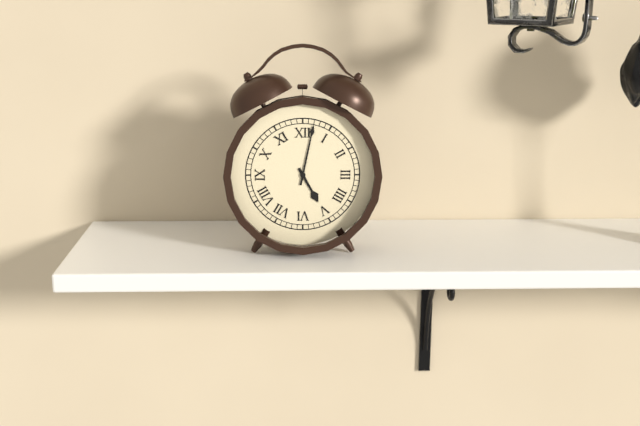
5:02
